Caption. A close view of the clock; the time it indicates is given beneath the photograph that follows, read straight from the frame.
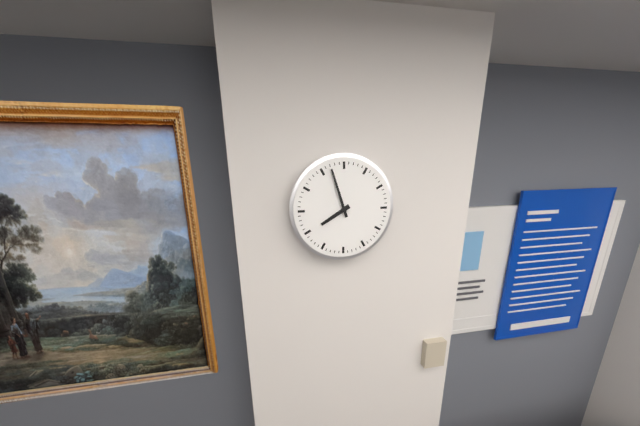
7:57
